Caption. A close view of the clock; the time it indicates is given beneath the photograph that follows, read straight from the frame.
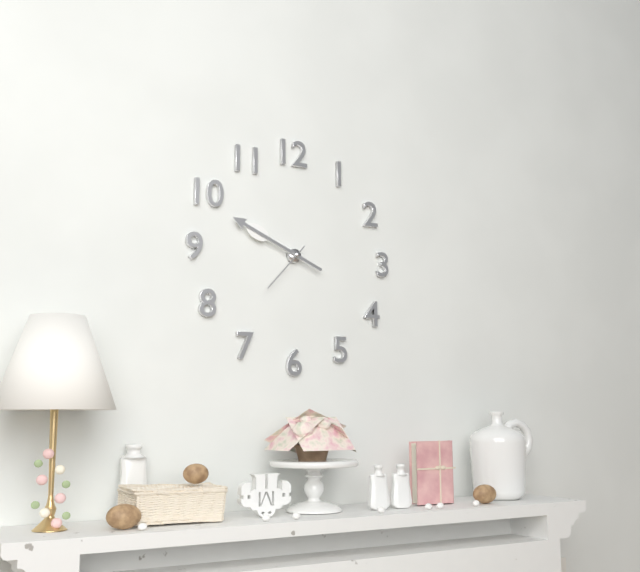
9:49:37
